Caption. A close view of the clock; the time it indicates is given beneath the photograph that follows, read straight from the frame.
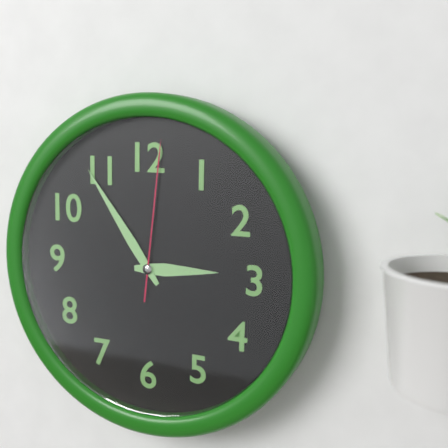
2:54:01
